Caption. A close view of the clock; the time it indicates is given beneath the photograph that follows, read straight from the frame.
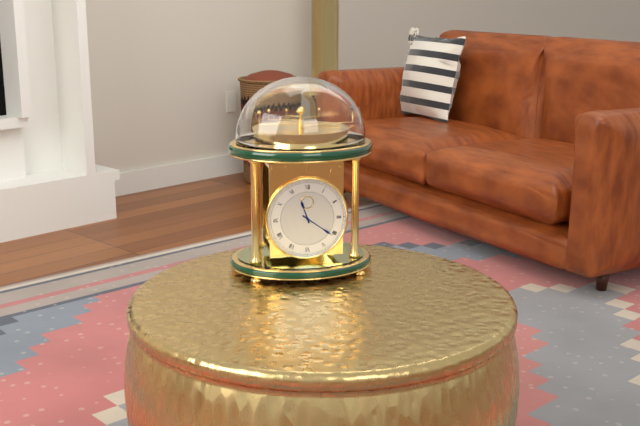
11:21
